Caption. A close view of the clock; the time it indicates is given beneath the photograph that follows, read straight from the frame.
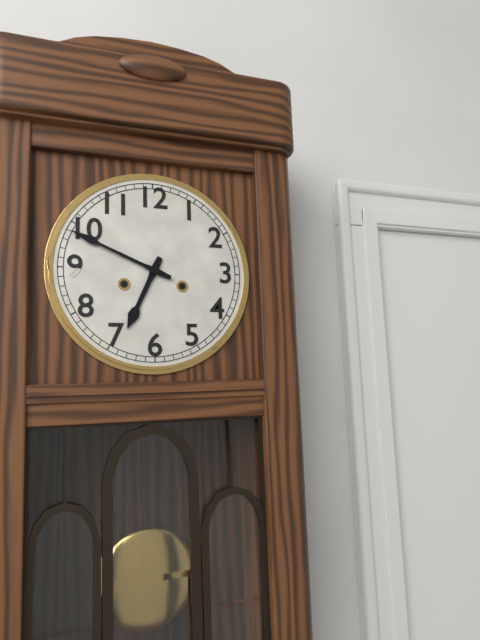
6:49
